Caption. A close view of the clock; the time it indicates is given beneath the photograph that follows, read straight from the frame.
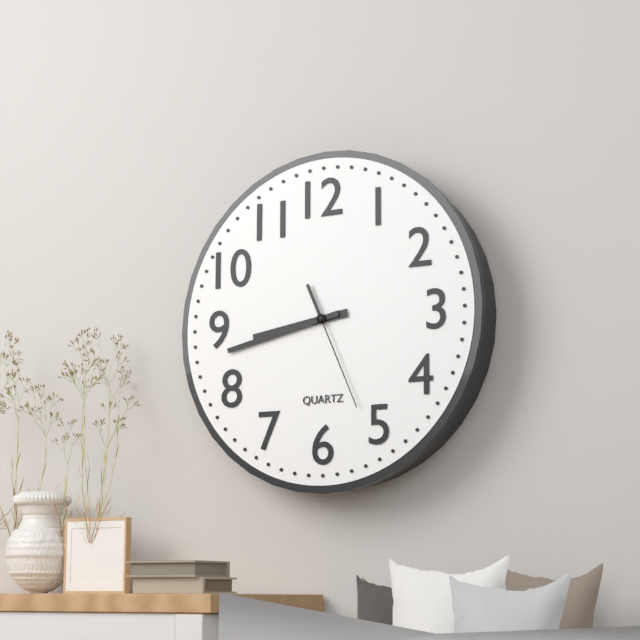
8:43:26
